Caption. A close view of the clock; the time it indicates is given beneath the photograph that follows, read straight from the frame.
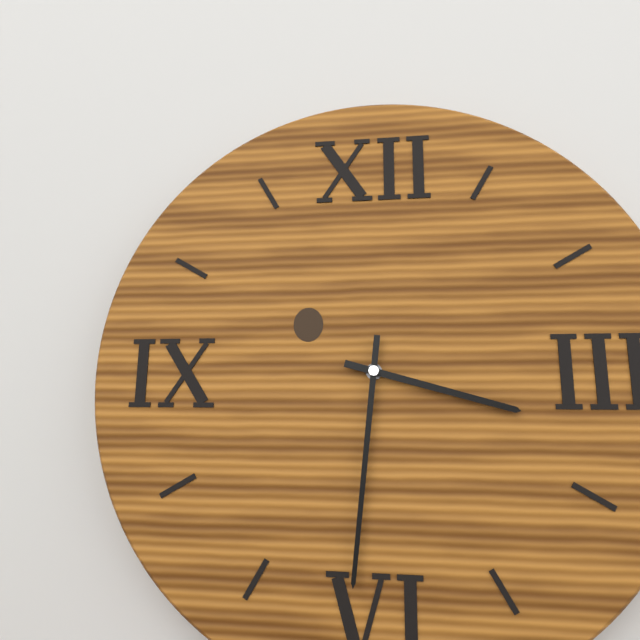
3:31
